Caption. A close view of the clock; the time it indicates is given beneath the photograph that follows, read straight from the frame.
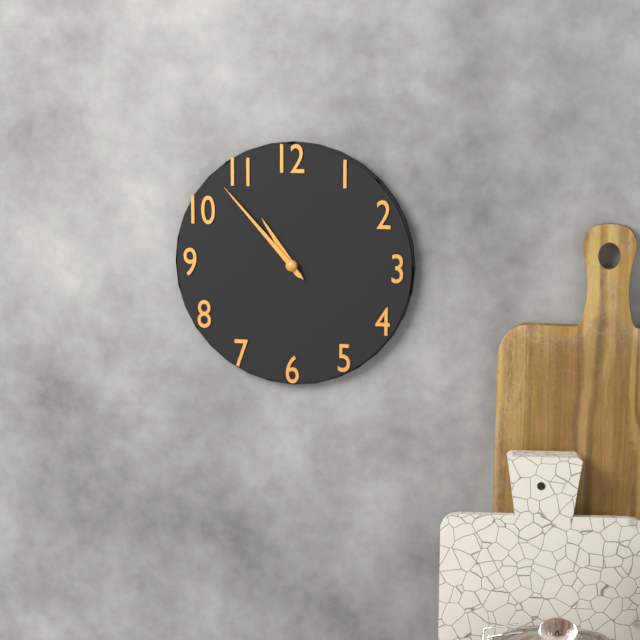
10:53
